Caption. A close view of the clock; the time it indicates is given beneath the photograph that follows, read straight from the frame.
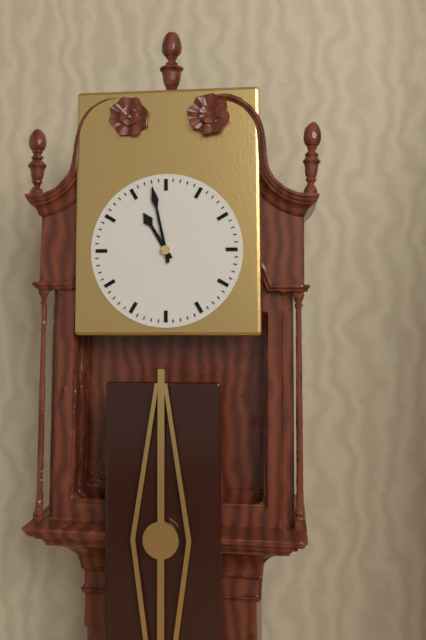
10:58
